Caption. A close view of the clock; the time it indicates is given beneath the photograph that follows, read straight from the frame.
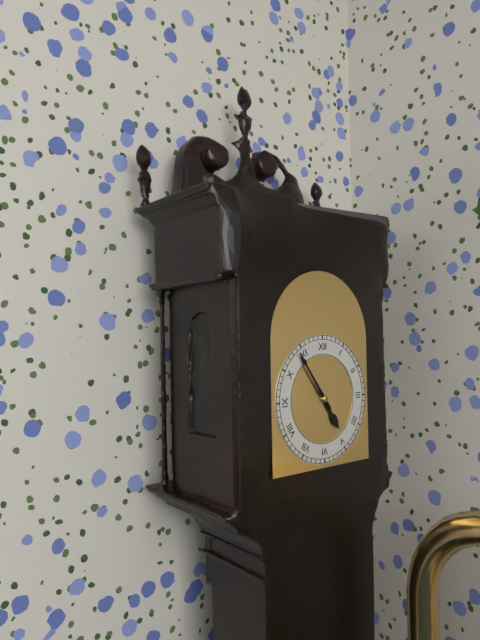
4:54
